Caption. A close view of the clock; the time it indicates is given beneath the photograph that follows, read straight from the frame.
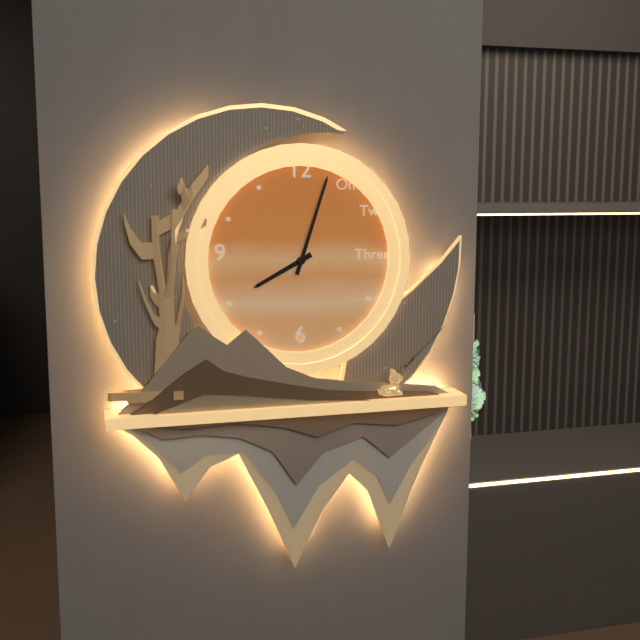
8:03
